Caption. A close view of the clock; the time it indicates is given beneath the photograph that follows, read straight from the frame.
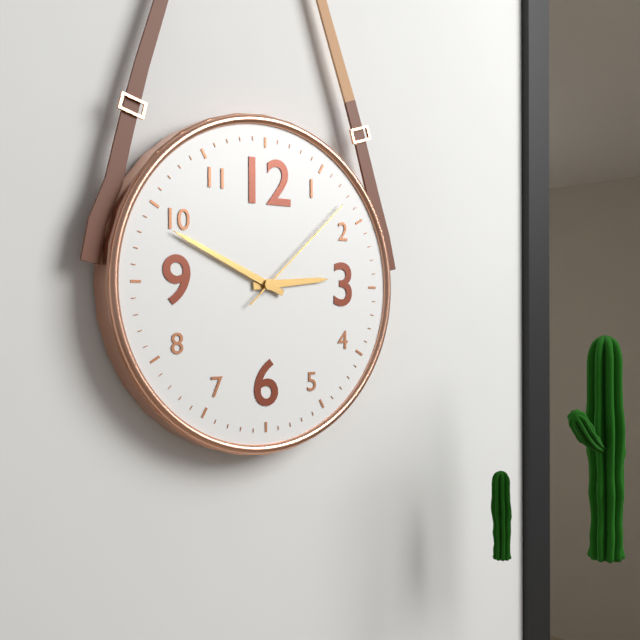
2:49:08
